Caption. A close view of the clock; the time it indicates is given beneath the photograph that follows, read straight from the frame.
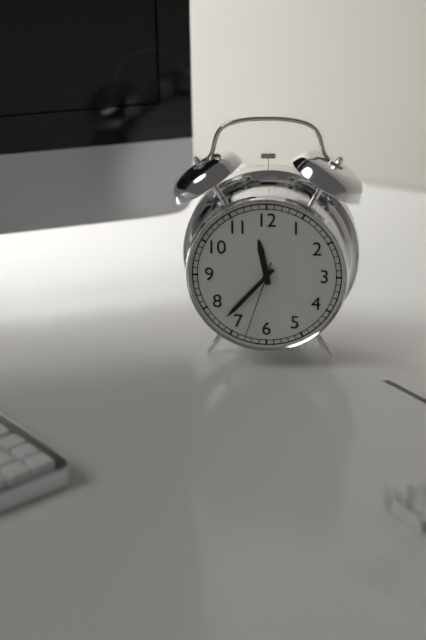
11:37:33
